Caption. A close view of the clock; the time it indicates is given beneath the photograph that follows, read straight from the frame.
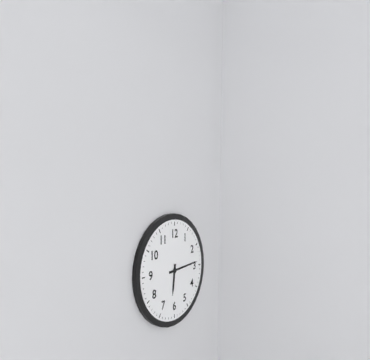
6:14
